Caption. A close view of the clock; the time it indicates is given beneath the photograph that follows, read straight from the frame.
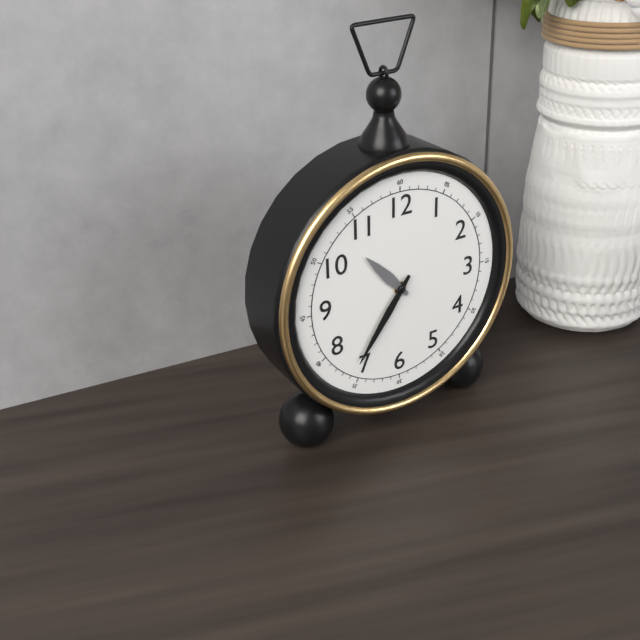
10:36
